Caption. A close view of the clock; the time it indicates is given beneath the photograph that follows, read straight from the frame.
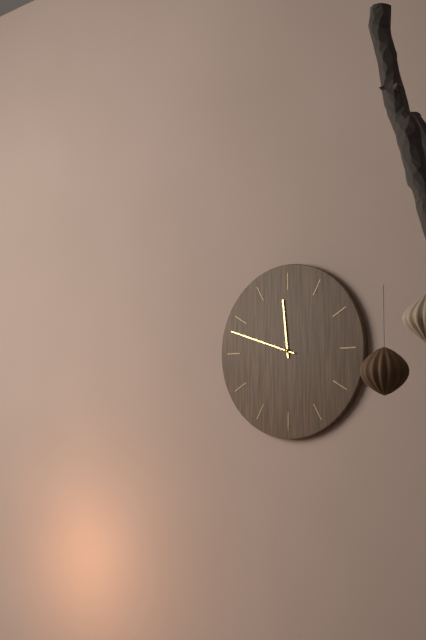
11:48
